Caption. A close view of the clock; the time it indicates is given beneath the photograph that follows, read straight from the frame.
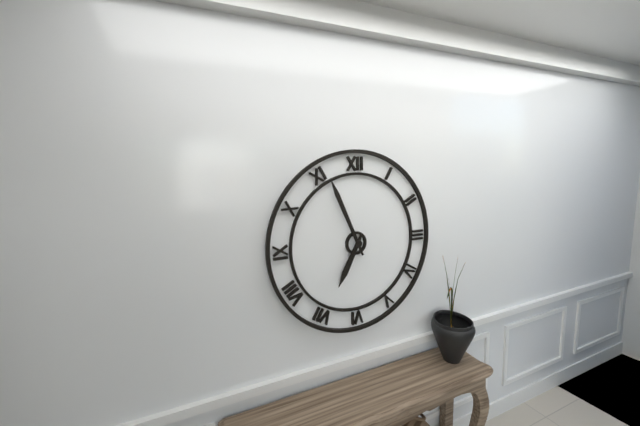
6:56
